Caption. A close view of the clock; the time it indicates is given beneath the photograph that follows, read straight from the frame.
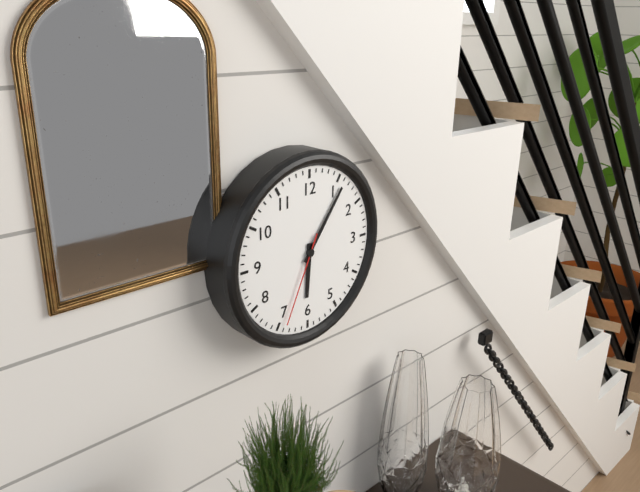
6:06:34
